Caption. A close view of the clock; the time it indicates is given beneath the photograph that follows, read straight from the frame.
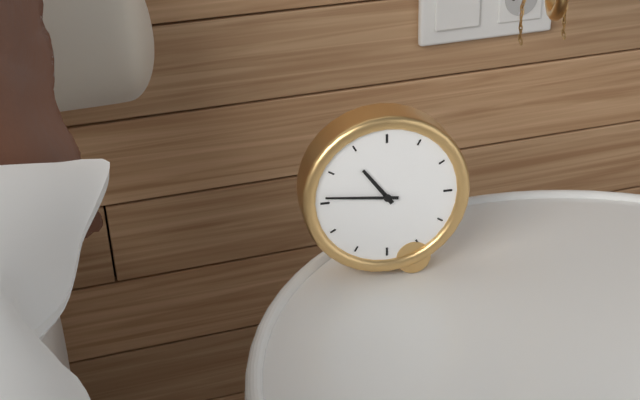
10:46
